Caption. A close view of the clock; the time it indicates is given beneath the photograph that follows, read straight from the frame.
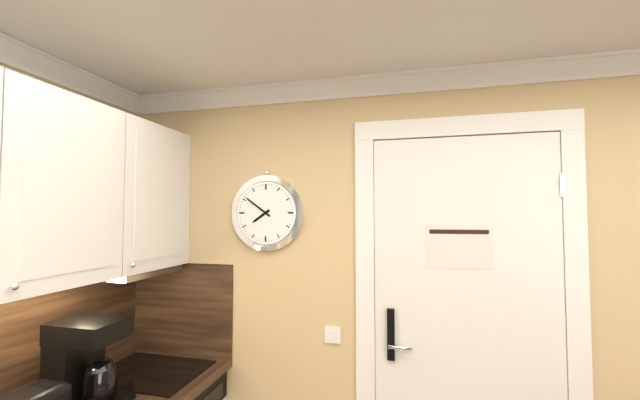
7:51
